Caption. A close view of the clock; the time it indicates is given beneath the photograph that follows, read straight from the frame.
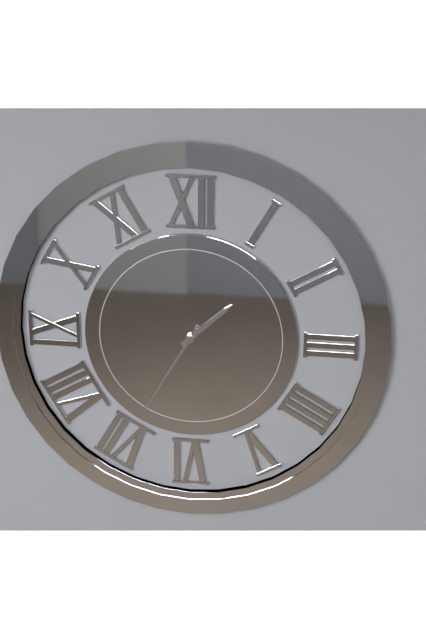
1:35
